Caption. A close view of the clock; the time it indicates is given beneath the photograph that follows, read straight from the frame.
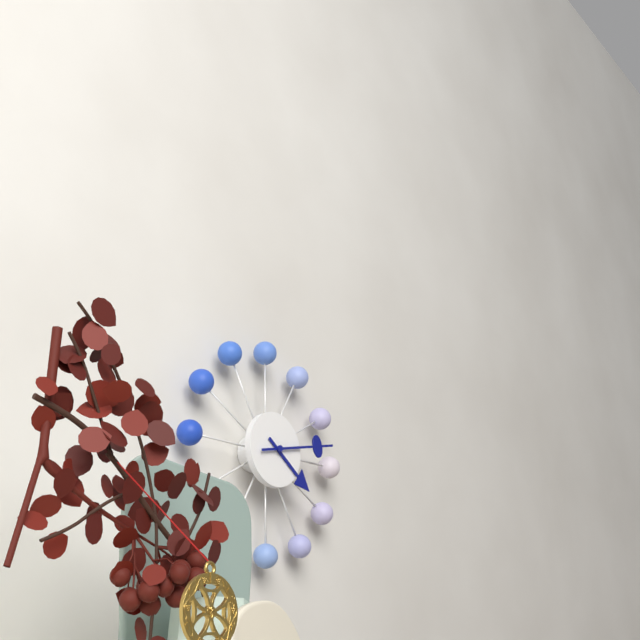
4:13
